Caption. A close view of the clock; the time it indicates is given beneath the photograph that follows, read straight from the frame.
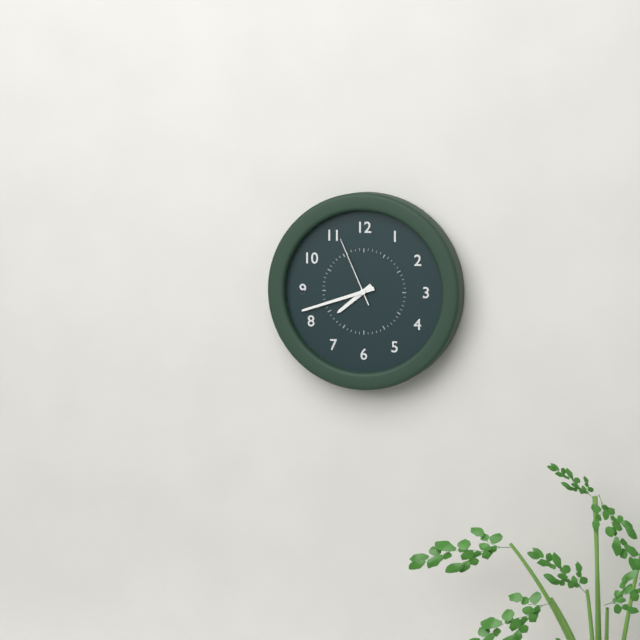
7:42:56
